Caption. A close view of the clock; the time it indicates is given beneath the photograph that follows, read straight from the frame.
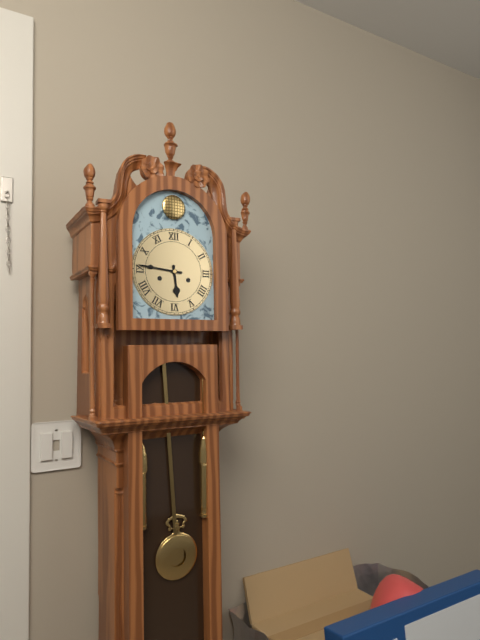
5:46
